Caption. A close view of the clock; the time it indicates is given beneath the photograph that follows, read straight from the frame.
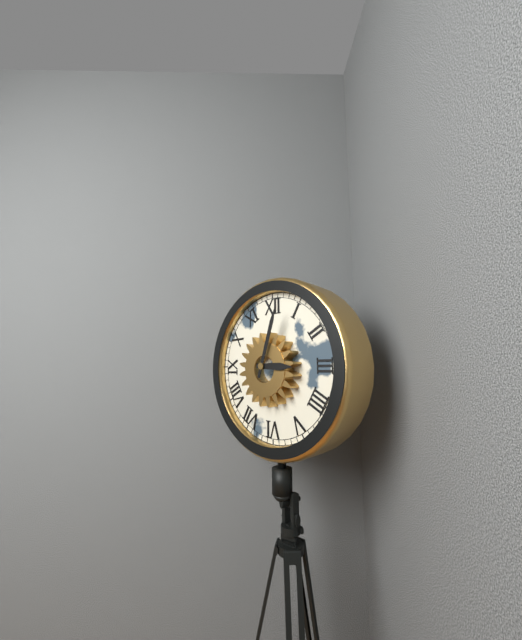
3:03
